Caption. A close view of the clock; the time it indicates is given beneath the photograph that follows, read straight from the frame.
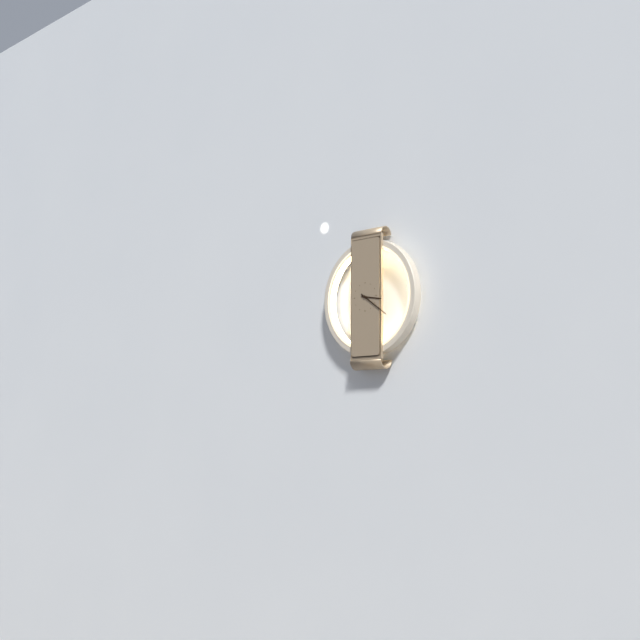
3:21
